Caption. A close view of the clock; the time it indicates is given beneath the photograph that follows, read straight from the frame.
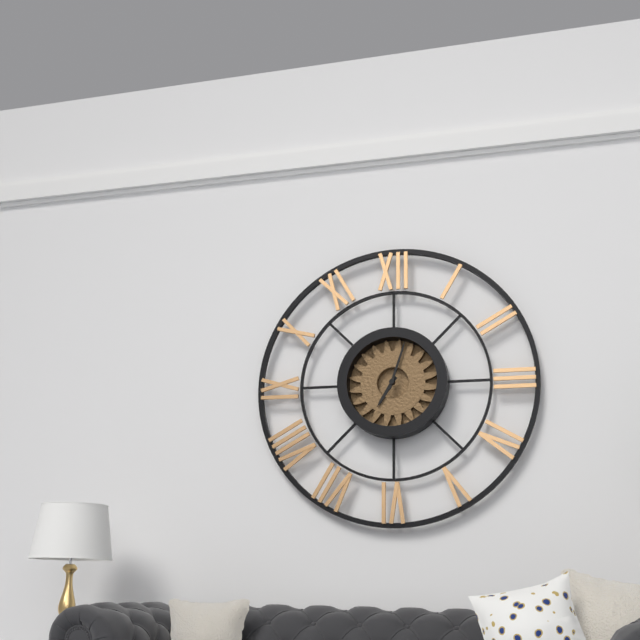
7:03
